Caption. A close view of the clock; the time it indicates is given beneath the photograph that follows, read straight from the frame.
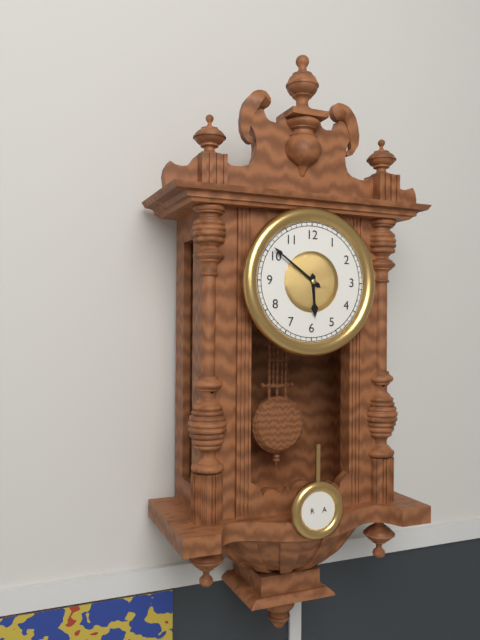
5:51
